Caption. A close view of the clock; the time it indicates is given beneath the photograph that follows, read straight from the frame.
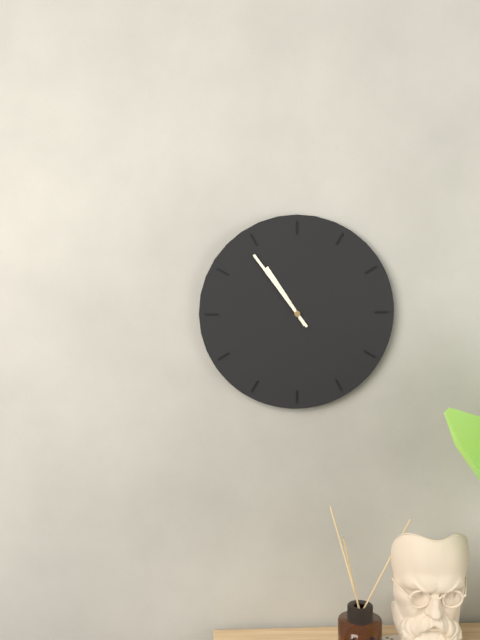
10:54
